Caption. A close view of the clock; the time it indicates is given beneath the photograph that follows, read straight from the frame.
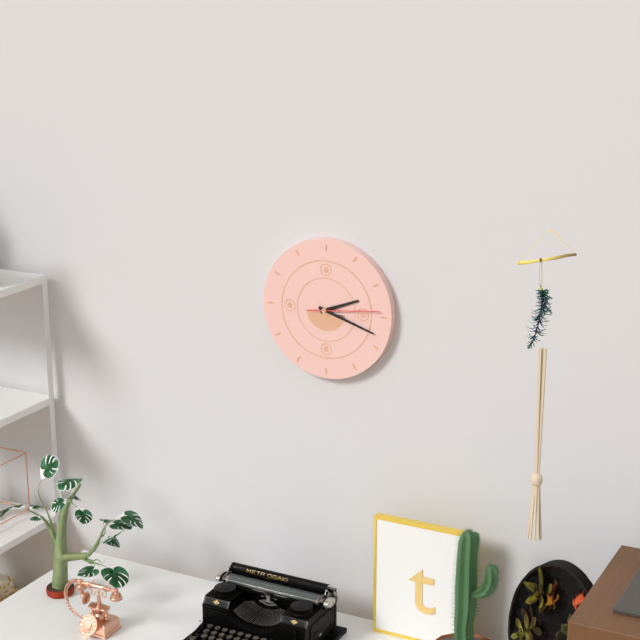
2:18:14
